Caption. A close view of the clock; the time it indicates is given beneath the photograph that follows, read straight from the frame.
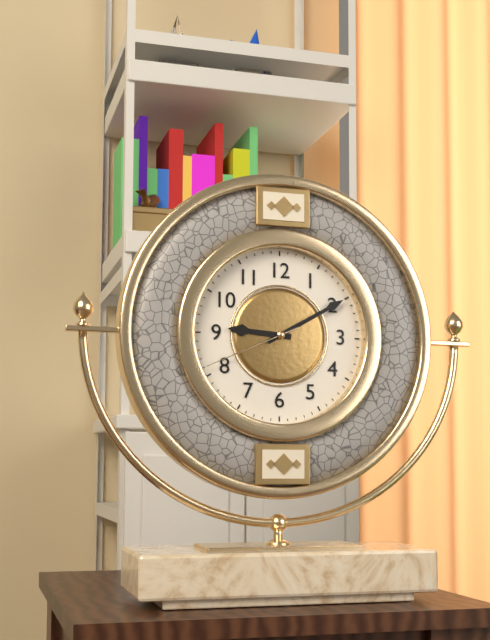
9:10:41
